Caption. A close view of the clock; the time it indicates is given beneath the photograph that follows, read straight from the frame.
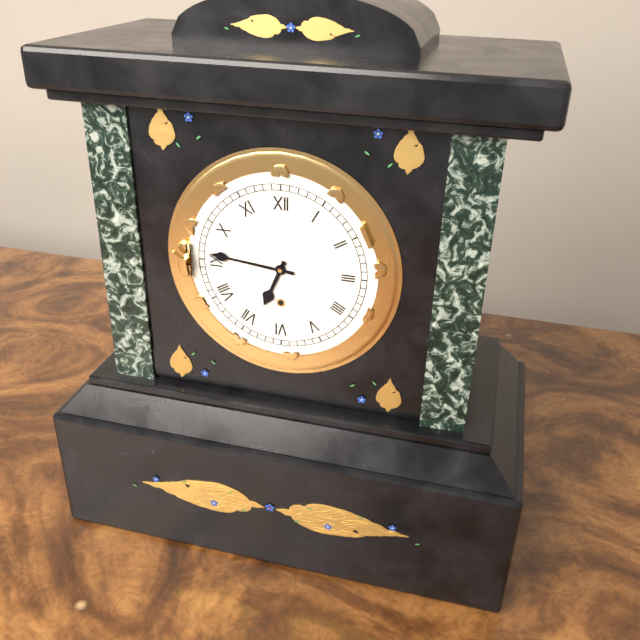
6:46
